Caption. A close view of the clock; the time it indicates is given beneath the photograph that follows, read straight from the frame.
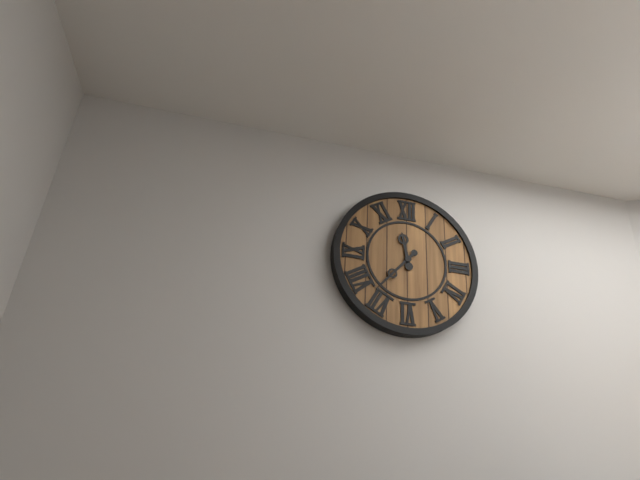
11:37
